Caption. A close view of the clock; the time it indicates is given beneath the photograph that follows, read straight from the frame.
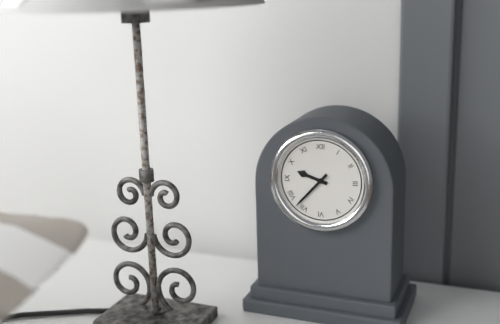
9:37
